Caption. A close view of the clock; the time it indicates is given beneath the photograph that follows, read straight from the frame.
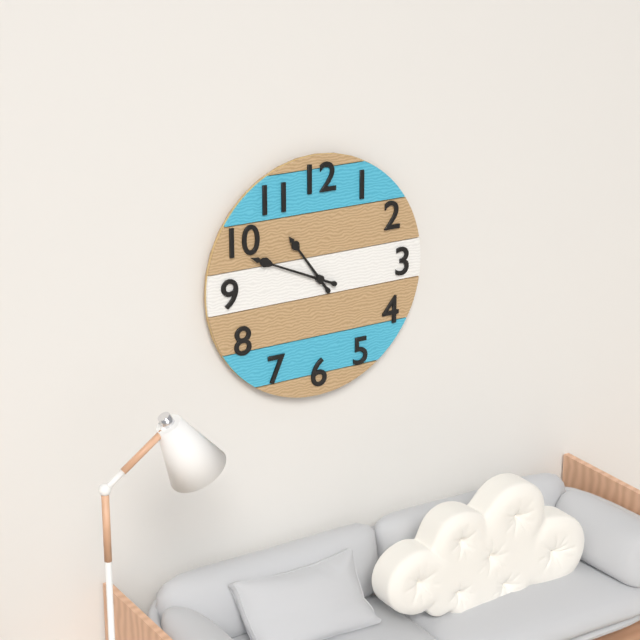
10:49
